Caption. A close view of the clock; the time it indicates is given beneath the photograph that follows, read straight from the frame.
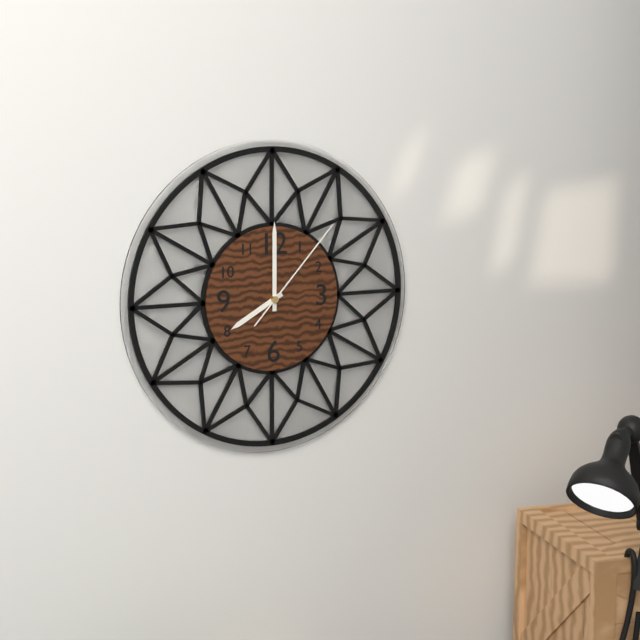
8:00:07
